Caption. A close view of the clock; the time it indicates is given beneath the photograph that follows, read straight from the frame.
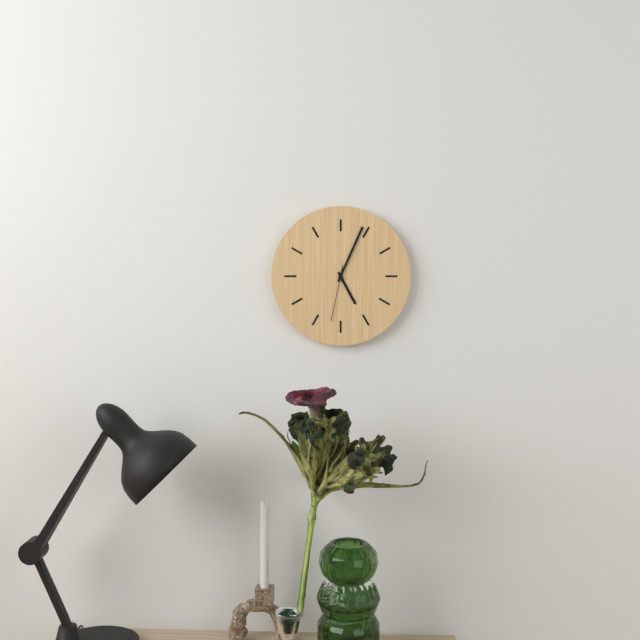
5:04:32
